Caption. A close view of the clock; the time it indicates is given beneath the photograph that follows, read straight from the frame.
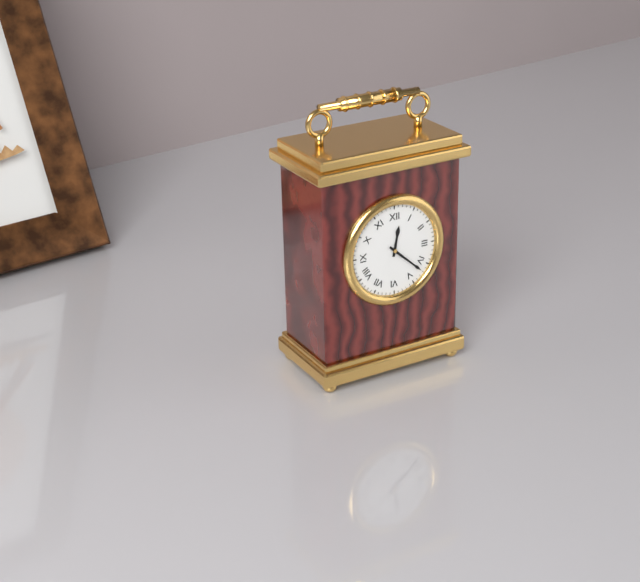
12:22
